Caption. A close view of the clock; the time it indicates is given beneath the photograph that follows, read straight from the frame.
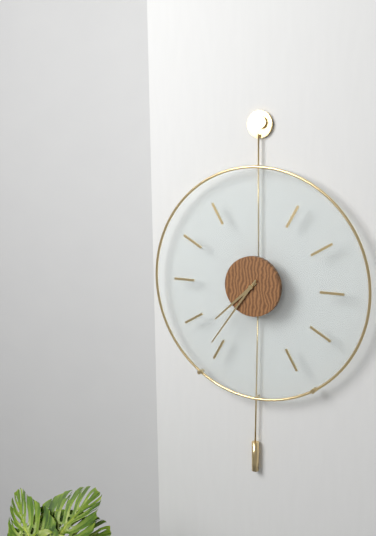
7:36
